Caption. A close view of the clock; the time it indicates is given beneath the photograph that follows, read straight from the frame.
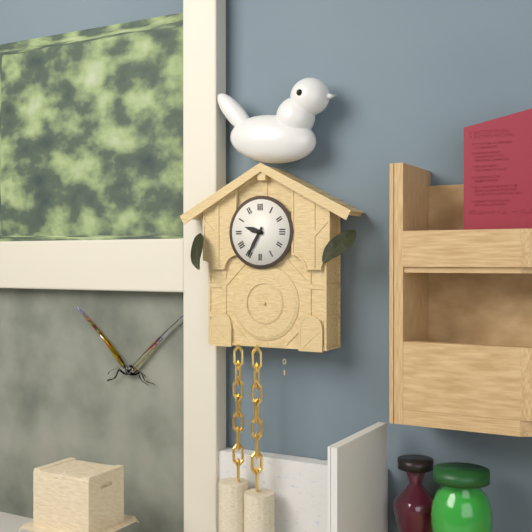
9:35
